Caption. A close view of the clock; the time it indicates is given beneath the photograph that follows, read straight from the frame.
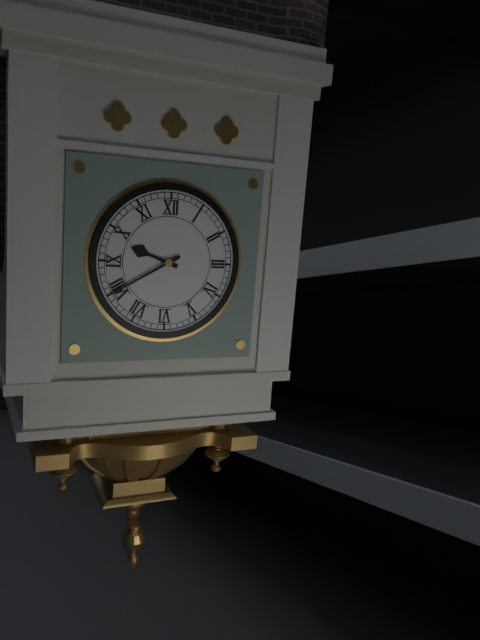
9:40
